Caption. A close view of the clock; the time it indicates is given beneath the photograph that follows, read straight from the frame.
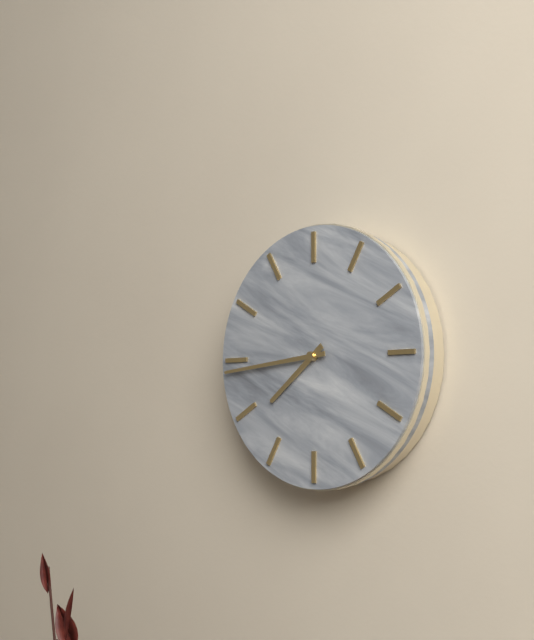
7:44
